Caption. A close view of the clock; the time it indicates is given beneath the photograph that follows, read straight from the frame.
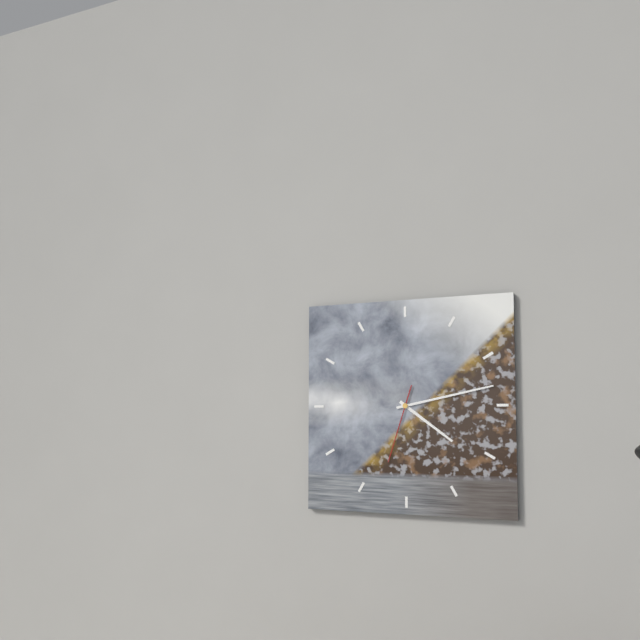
4:13:33
